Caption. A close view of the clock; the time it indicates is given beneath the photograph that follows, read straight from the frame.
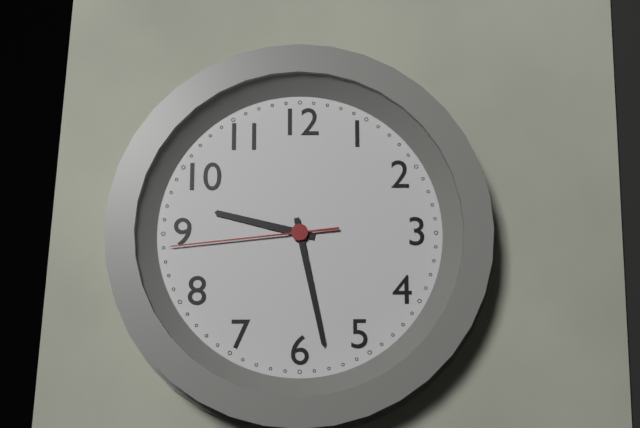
9:28:44
